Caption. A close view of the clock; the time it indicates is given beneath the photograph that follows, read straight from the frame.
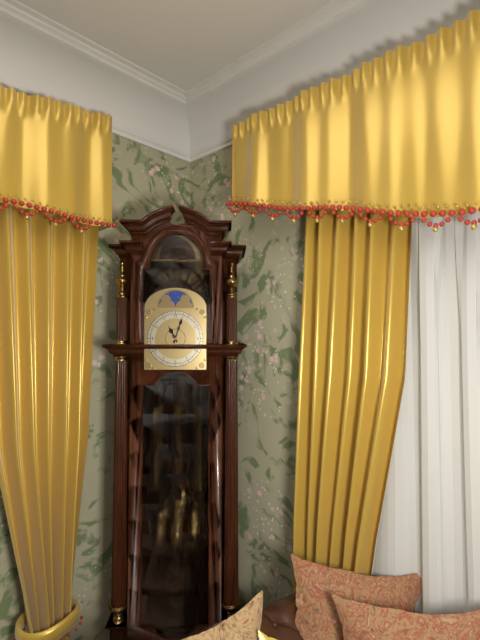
11:03
